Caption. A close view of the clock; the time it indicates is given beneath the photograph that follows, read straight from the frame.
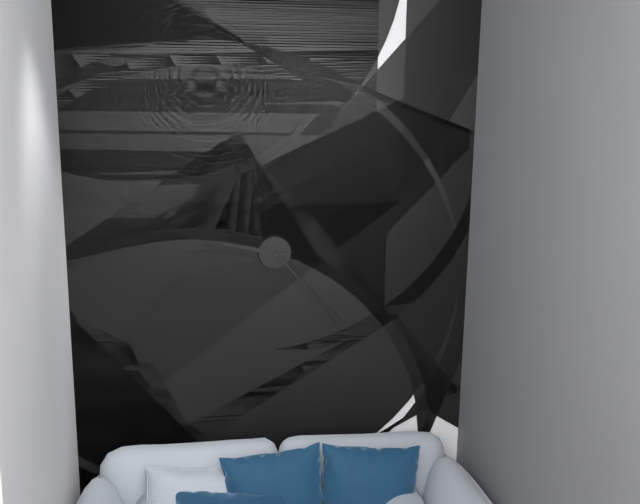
9:23
